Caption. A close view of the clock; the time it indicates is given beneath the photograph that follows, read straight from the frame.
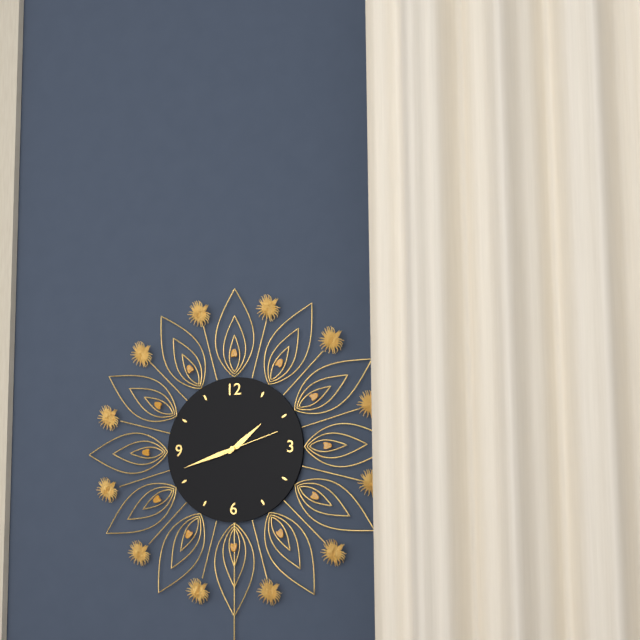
1:42:12
